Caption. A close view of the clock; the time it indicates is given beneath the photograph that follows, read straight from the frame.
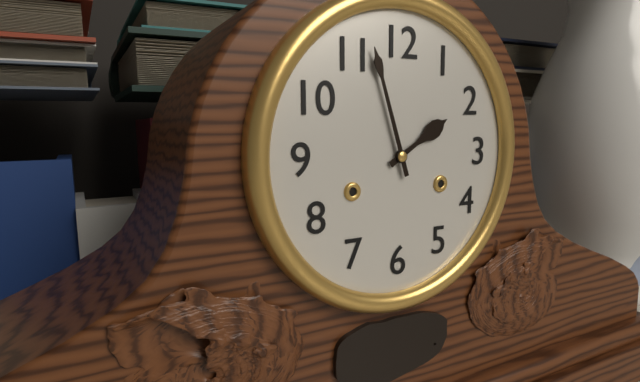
1:57
